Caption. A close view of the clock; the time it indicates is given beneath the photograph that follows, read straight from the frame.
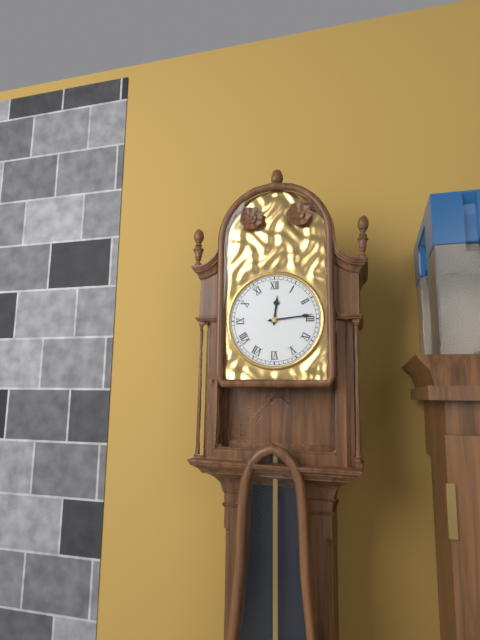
12:14
